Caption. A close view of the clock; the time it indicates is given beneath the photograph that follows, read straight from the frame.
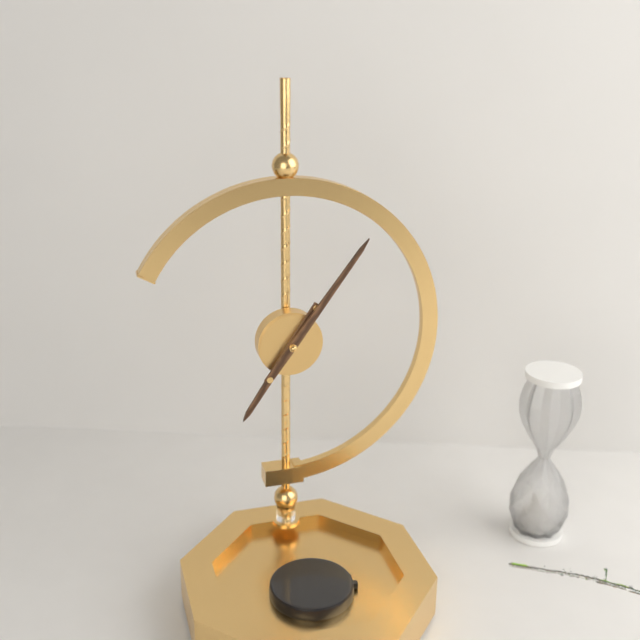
7:06
